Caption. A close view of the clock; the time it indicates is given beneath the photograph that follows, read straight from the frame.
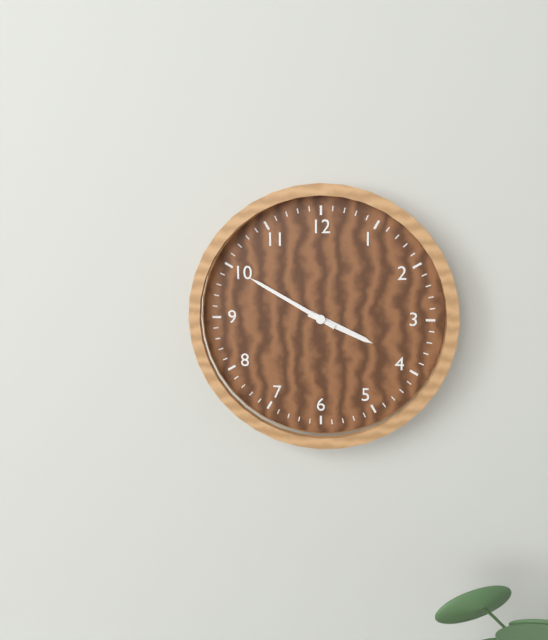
3:50
